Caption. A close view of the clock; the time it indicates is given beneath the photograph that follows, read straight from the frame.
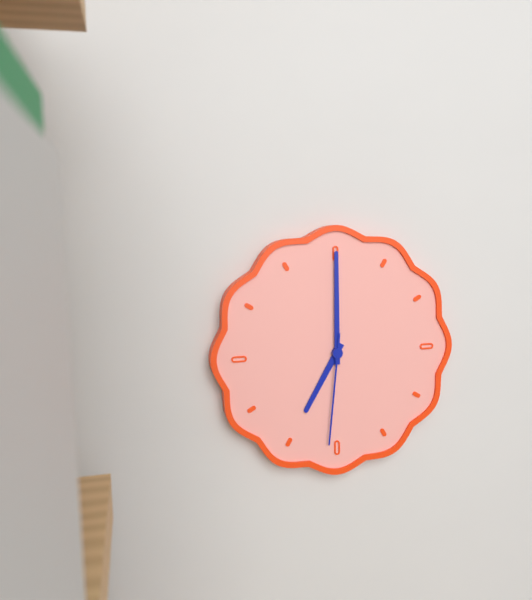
7:00:31
